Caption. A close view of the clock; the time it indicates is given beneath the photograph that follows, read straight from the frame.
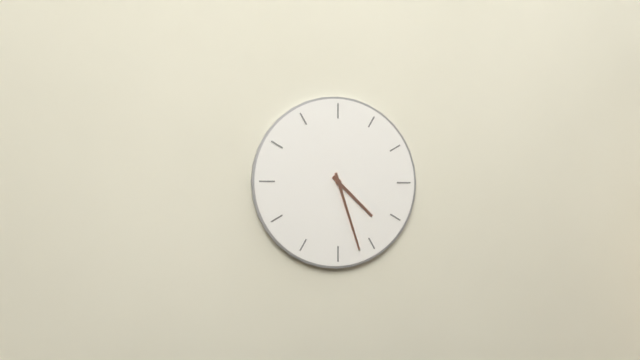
4:27
